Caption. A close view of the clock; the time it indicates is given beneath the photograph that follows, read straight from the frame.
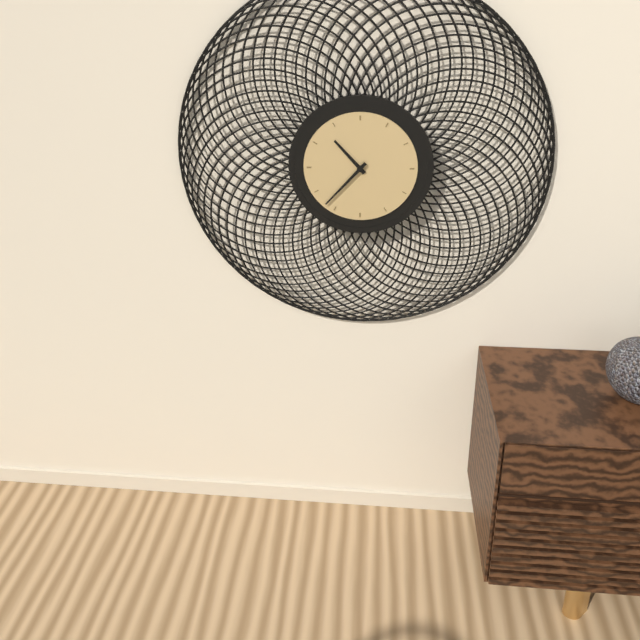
10:37
